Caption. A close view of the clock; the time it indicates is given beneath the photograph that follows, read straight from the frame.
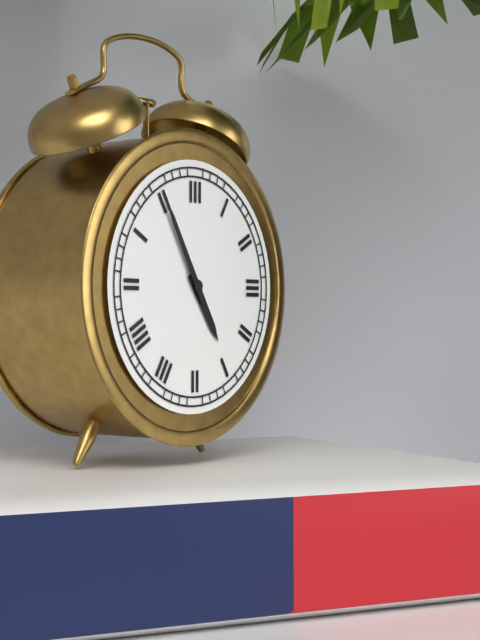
4:55
